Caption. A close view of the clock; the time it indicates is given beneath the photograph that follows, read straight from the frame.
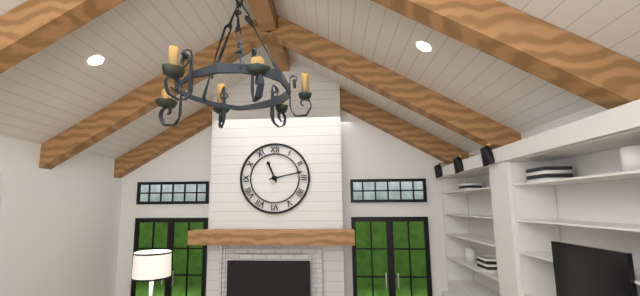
11:13
